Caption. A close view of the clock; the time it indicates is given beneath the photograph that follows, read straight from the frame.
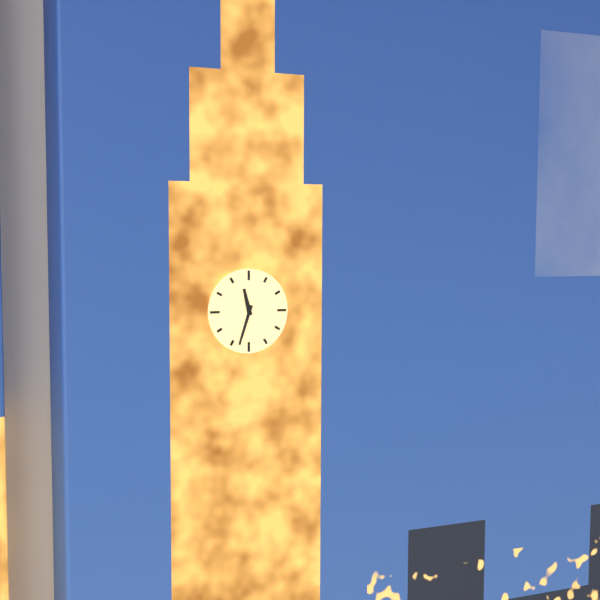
11:33
